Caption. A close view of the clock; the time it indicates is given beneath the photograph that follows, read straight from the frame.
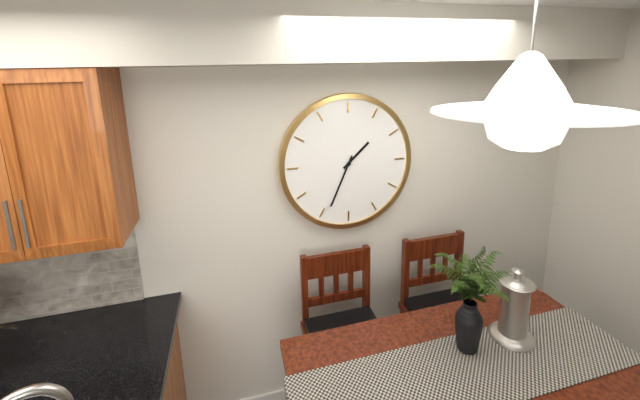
1:34
